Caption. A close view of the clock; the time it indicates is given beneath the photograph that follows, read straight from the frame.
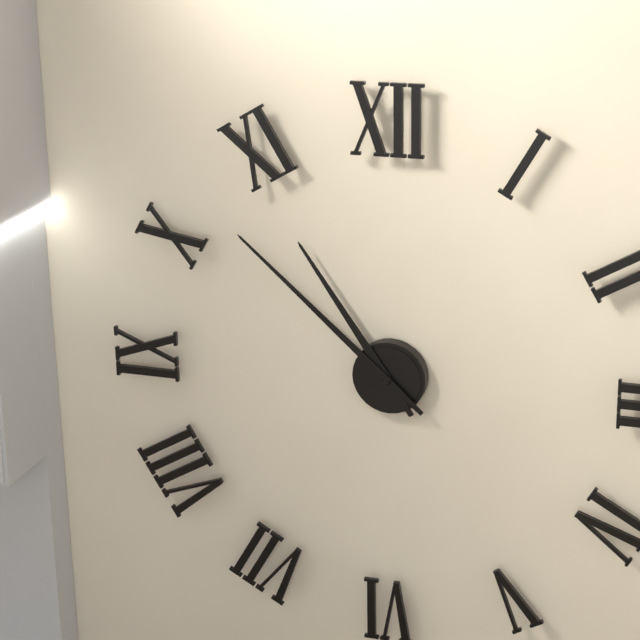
10:52
